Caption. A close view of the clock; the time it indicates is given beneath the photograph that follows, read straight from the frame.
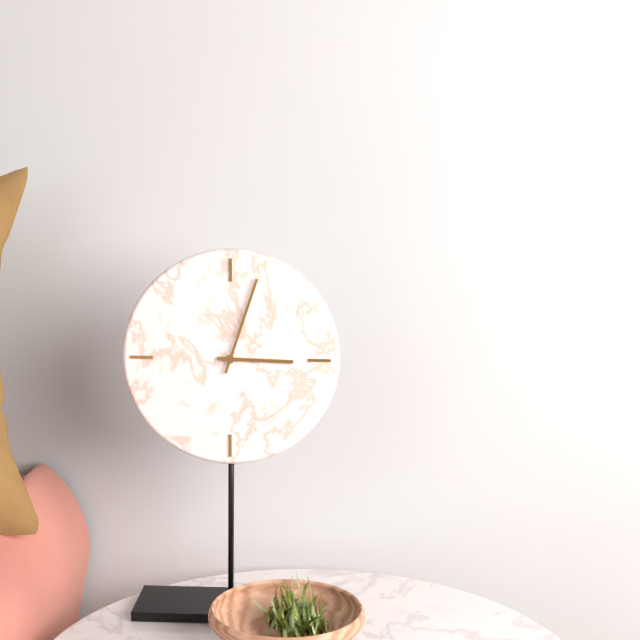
3:03
